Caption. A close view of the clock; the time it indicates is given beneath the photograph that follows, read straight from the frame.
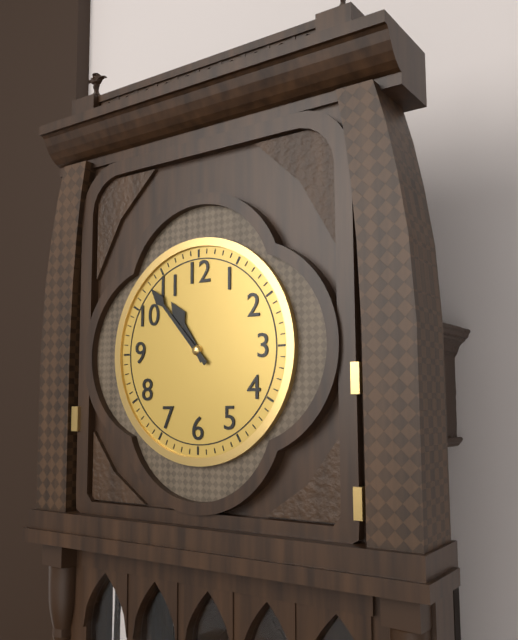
10:53
